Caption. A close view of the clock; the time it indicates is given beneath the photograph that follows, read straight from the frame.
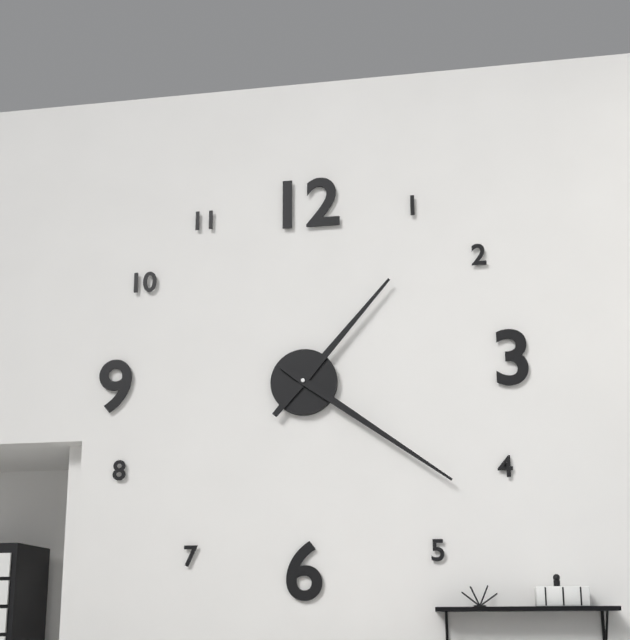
1:21
